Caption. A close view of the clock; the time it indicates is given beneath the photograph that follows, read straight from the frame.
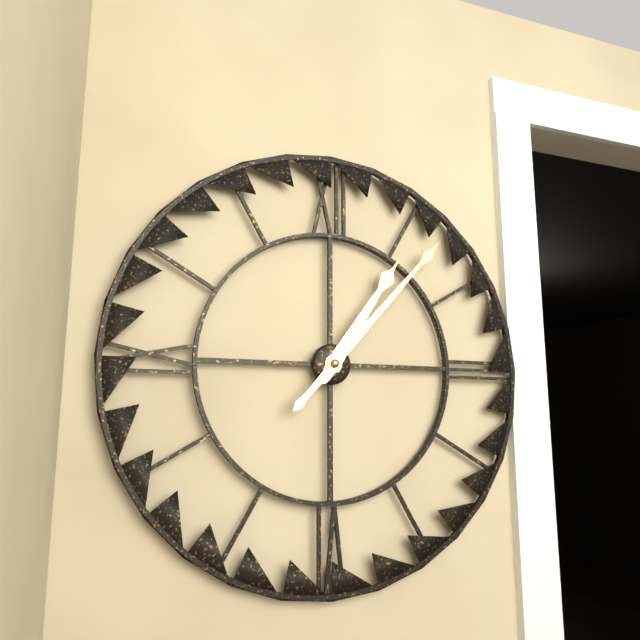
1:07
